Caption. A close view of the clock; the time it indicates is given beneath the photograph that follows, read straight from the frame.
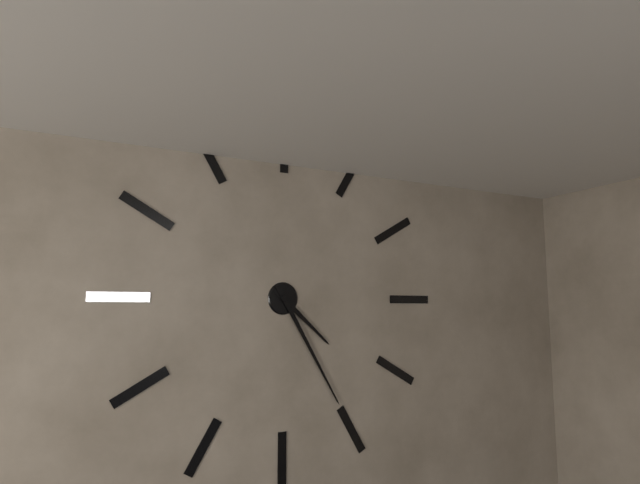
4:25
